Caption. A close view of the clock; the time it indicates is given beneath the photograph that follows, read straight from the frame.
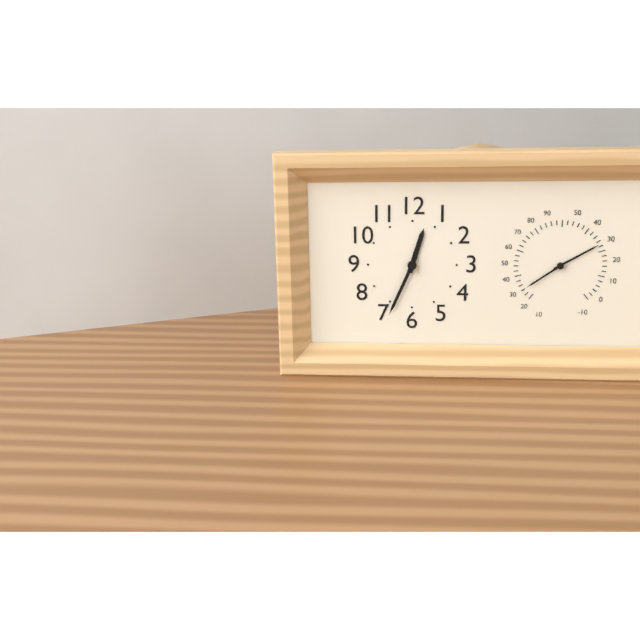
12:34
